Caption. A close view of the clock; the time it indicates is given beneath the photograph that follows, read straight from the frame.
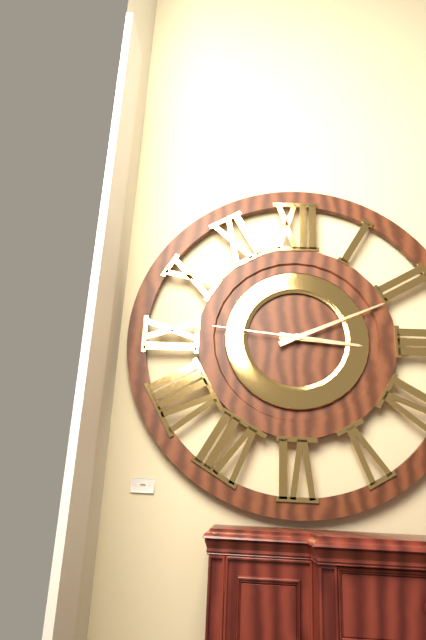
3:11:46
